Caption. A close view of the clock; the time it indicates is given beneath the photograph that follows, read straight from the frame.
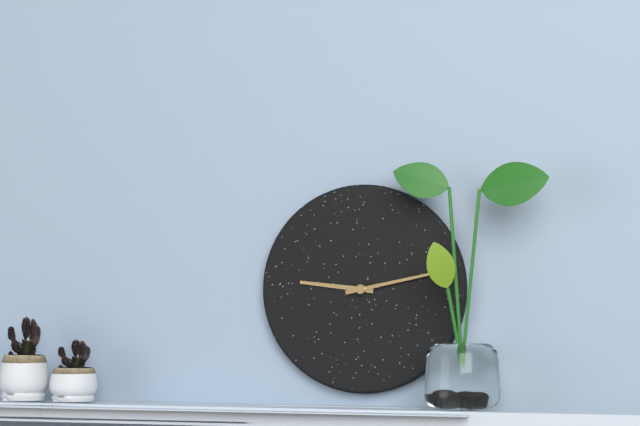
9:13
